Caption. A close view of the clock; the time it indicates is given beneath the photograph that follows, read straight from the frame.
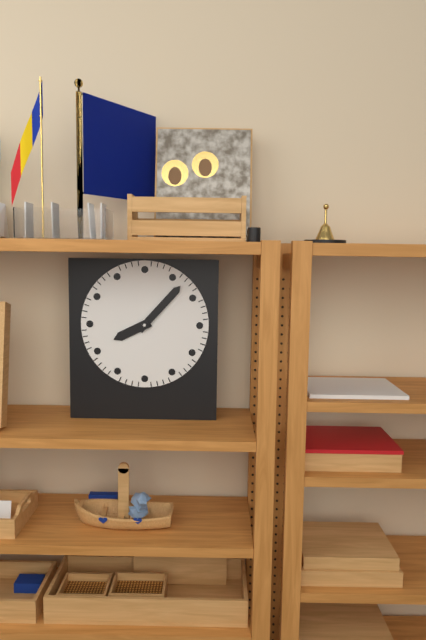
8:07
